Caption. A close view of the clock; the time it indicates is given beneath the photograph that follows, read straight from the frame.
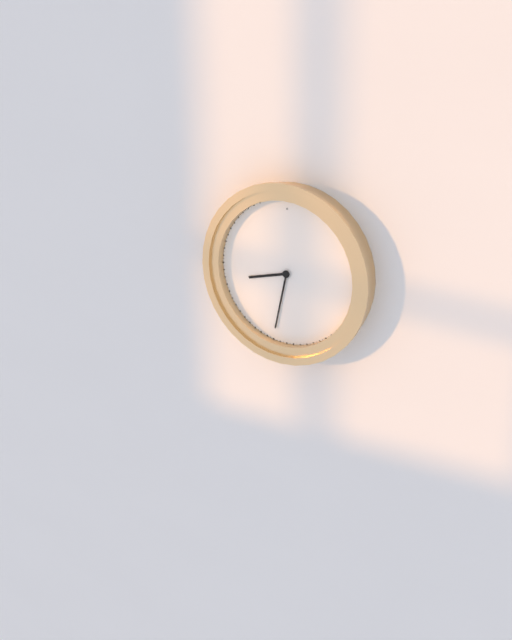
8:32
